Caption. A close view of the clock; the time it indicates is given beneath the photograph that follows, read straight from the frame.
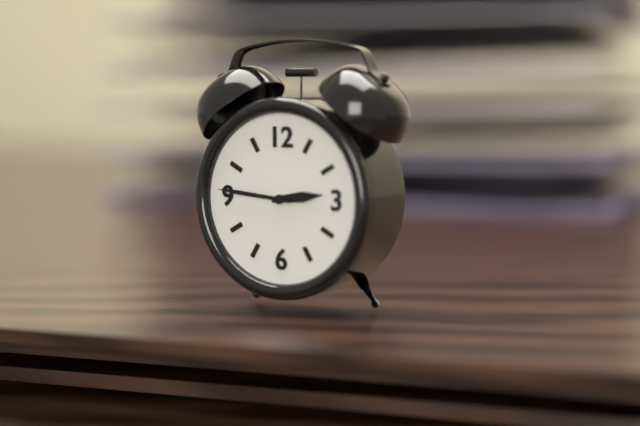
2:46
